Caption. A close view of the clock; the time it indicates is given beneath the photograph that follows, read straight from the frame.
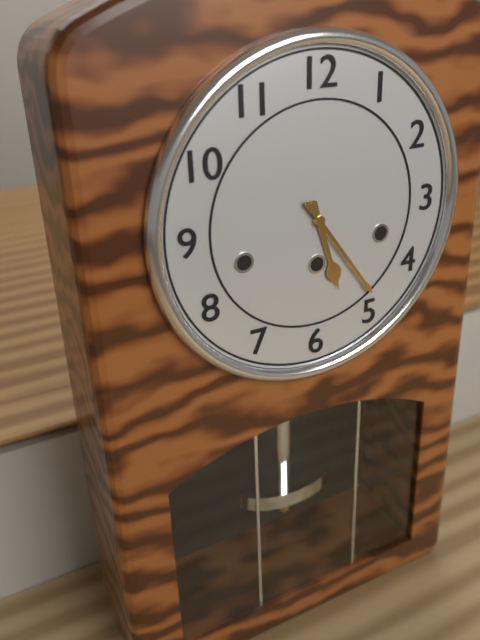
5:24
